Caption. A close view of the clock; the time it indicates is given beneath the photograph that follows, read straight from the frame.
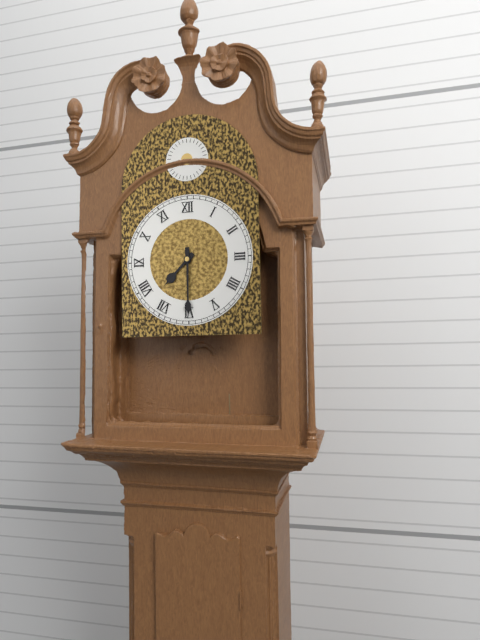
7:30
